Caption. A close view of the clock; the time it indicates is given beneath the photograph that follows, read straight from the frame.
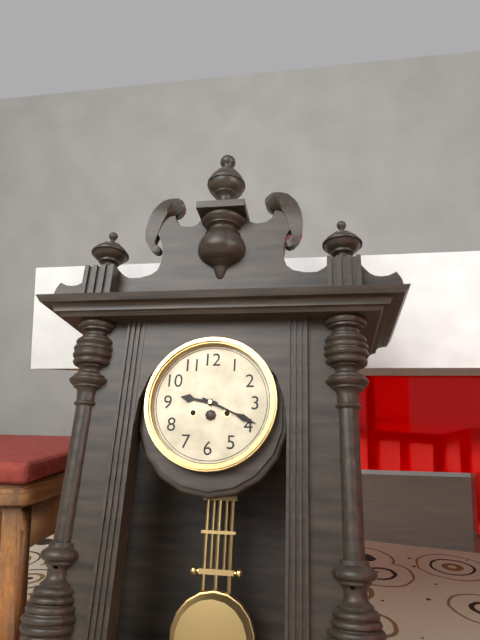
9:19
